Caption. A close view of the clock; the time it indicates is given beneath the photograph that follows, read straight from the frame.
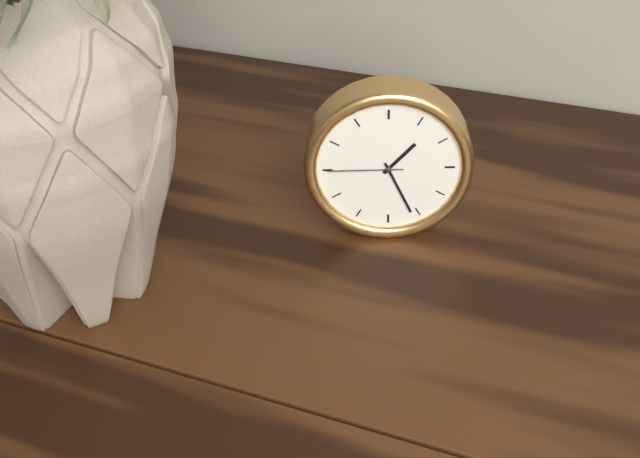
1:26:45
